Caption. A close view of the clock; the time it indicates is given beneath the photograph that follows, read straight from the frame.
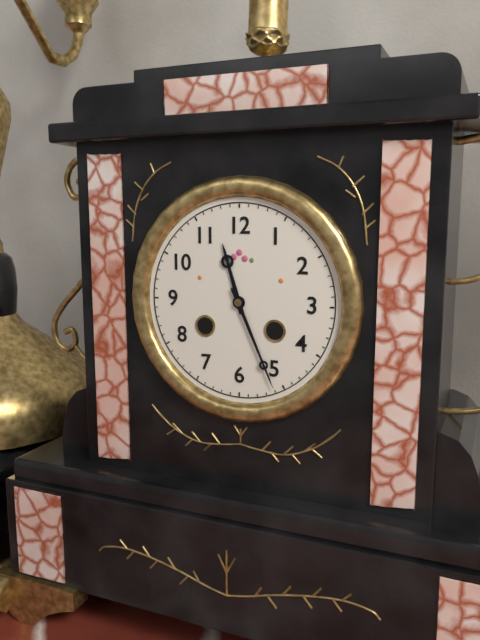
11:26
